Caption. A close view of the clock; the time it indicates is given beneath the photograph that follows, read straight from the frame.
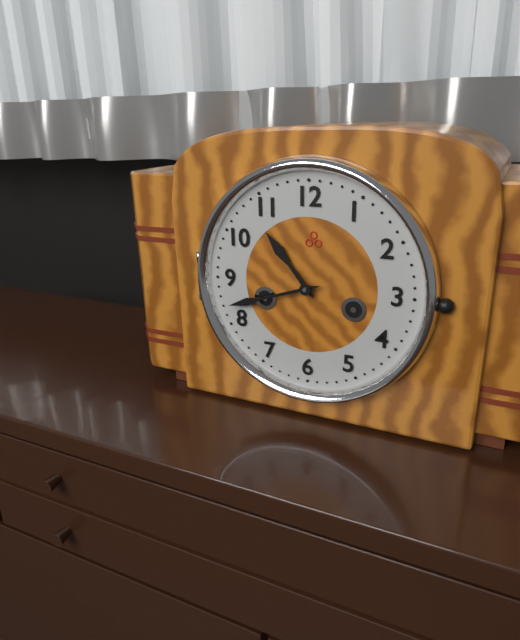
10:42
